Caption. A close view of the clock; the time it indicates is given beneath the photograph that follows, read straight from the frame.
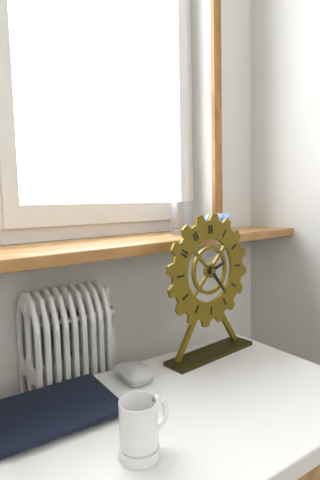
2:24
